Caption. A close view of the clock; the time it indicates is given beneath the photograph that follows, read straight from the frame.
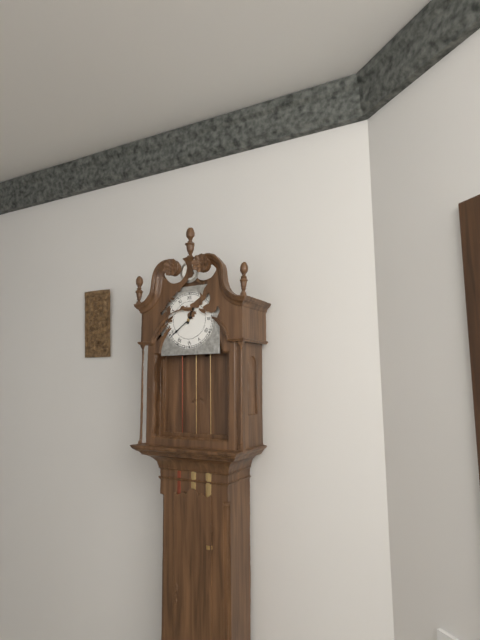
12:39
